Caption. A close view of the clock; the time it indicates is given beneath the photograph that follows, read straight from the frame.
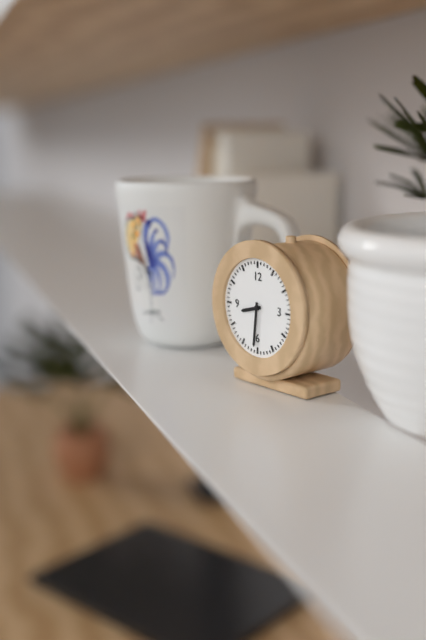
8:31
